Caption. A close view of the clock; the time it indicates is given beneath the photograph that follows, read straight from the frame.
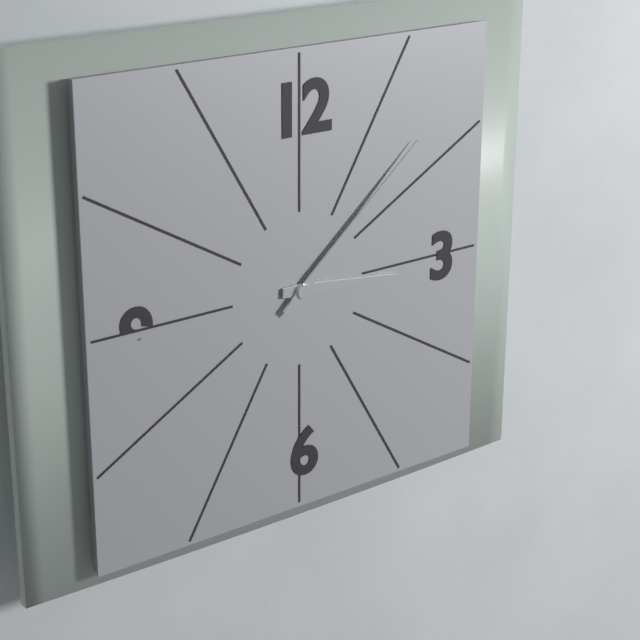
3:08
